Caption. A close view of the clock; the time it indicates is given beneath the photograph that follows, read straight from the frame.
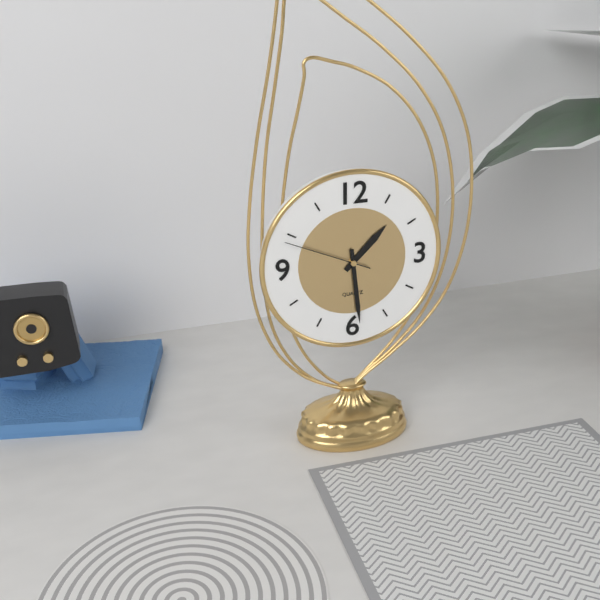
1:29:49
